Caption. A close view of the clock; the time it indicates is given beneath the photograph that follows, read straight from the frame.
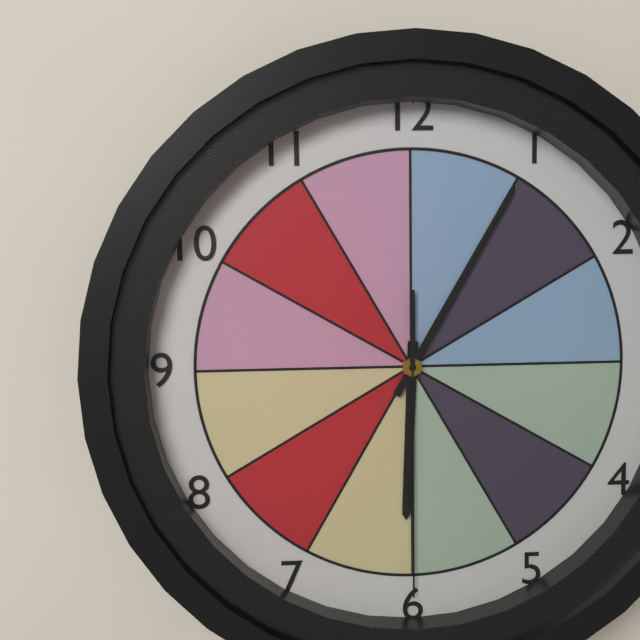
6:05:30
